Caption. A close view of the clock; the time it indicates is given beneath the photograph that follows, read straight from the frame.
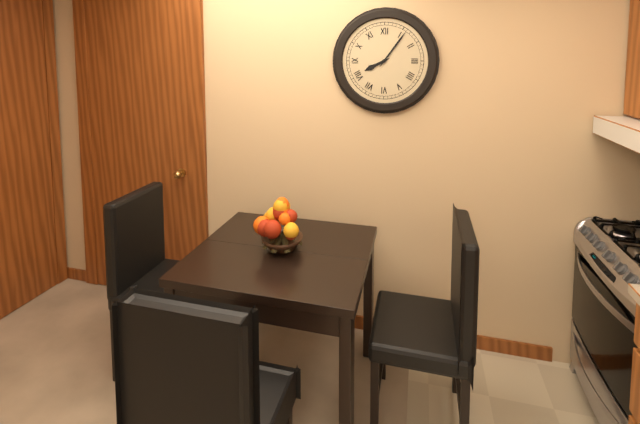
8:06
